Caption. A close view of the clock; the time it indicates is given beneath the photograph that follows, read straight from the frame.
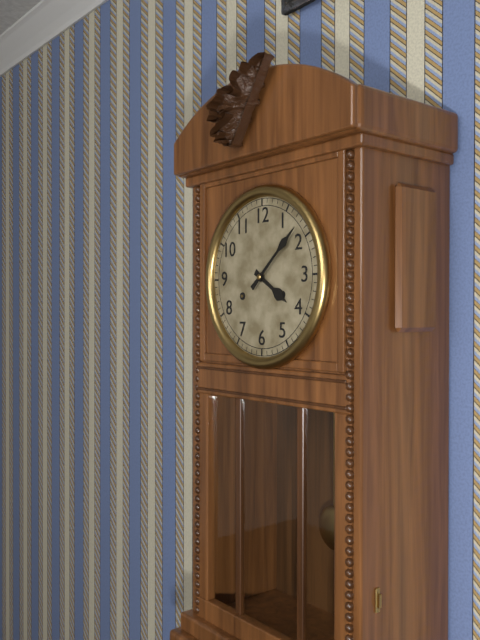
4:08
